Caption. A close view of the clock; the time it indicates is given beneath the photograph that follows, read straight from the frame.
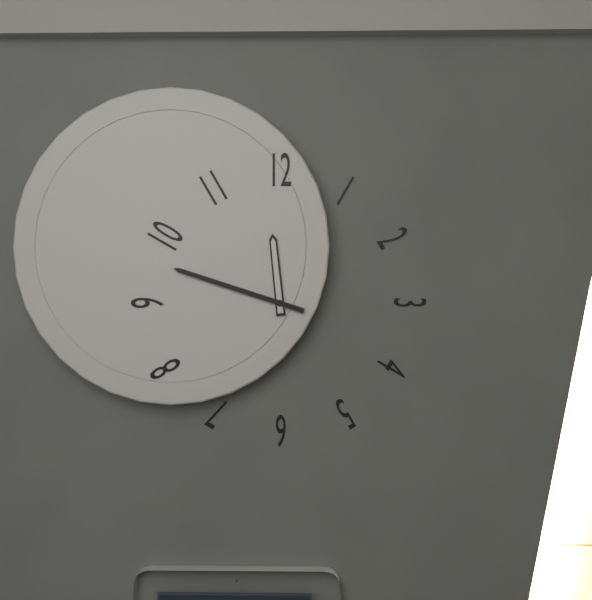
11:48
